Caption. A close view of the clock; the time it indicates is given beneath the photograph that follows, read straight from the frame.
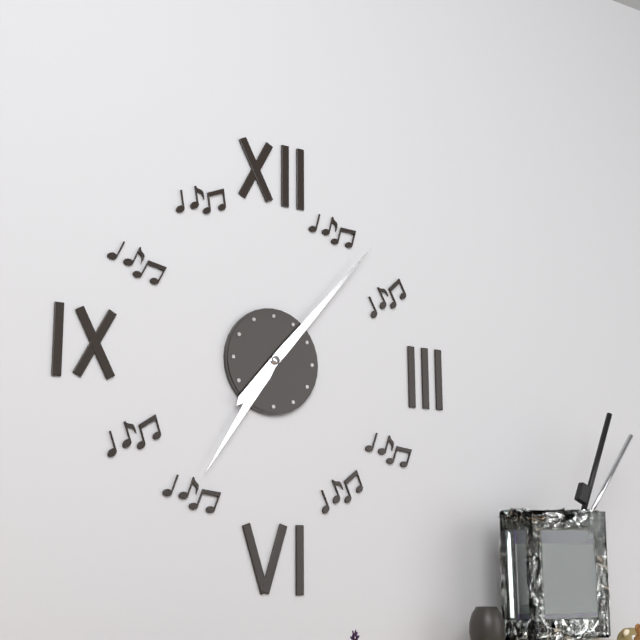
7:07
